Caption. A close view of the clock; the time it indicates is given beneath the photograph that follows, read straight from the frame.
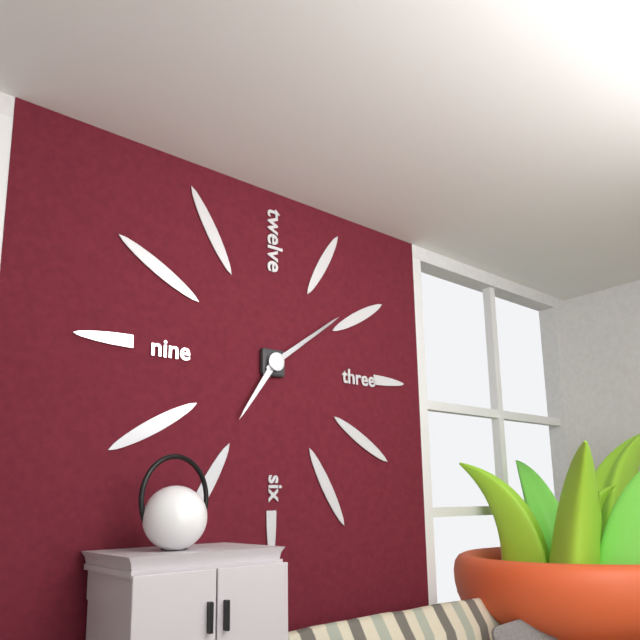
7:09
